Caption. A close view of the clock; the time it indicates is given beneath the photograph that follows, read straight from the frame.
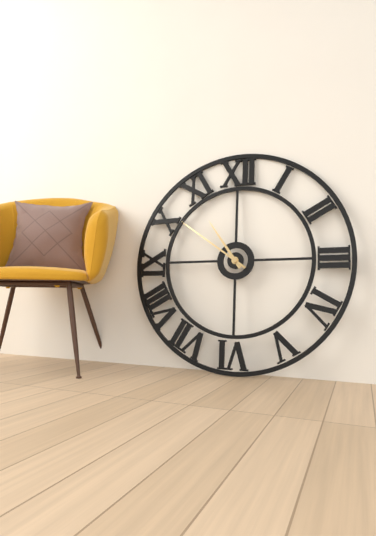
10:51
